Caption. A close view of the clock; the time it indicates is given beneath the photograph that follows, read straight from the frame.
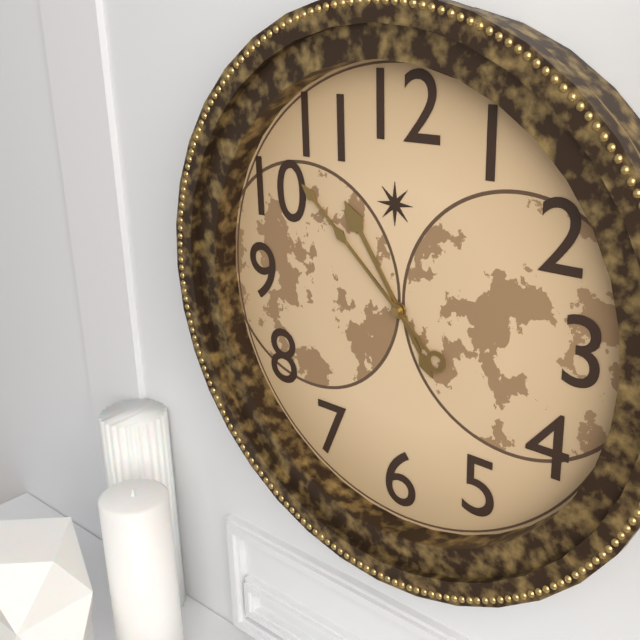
10:52
